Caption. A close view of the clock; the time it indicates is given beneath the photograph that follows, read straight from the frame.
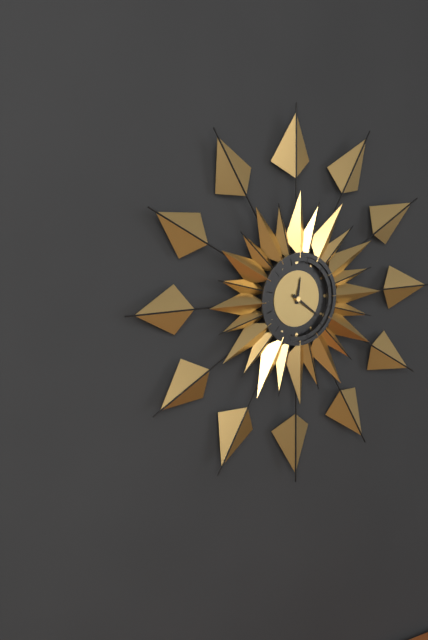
12:21
